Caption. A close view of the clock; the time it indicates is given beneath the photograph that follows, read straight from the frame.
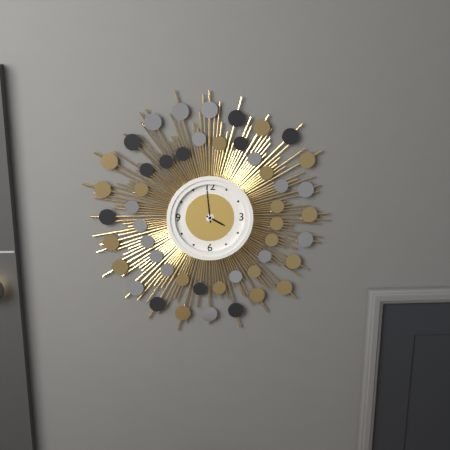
3:59
